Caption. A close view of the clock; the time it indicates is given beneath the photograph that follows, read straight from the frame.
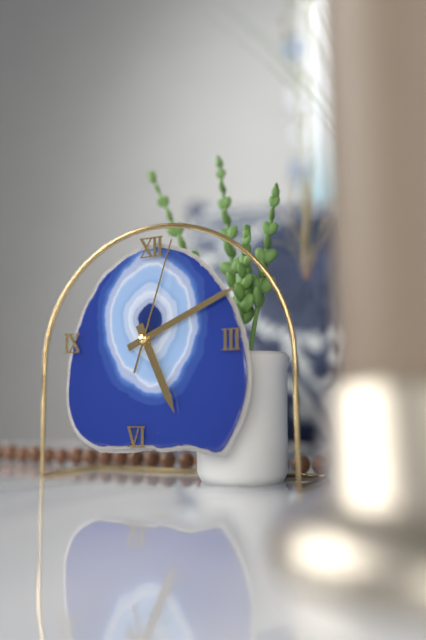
5:11:03
